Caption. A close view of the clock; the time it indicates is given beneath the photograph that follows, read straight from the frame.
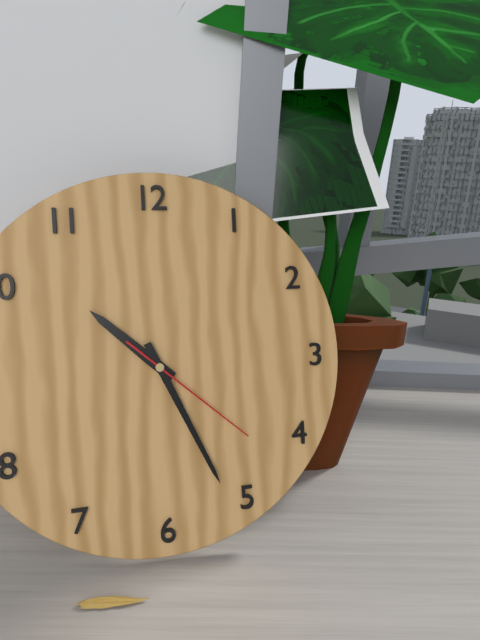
10:26:22
